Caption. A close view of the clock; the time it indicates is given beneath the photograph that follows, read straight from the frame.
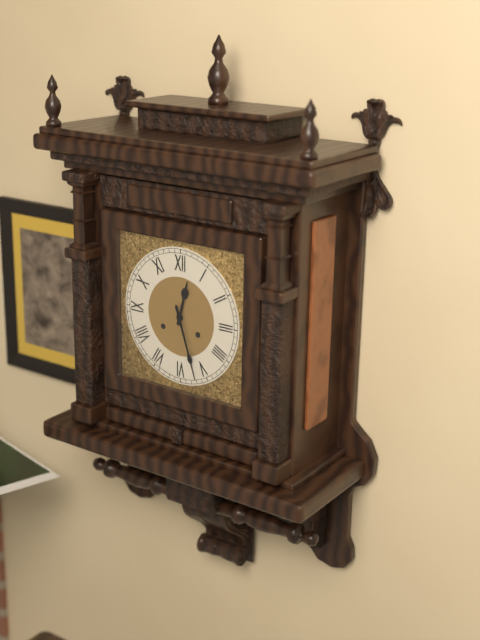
12:27
